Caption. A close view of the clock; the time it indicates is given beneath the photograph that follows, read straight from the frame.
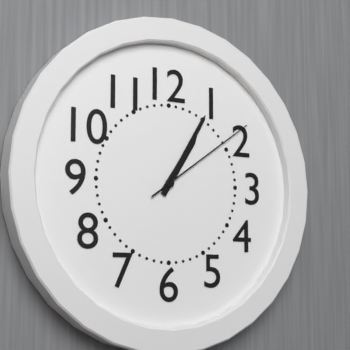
1:05:09
